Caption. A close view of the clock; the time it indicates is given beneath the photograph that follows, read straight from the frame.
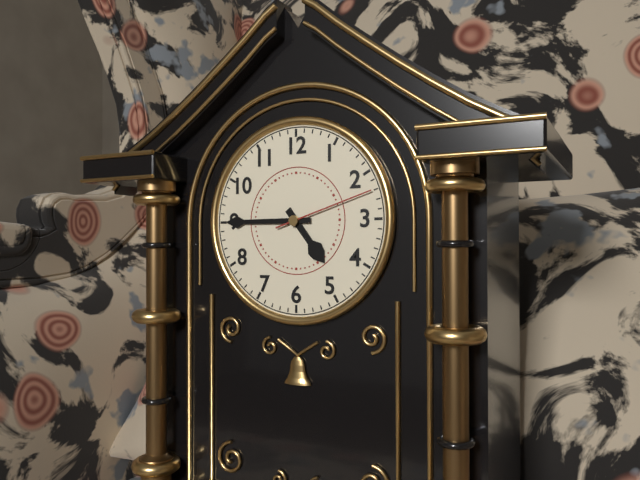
4:45:12
